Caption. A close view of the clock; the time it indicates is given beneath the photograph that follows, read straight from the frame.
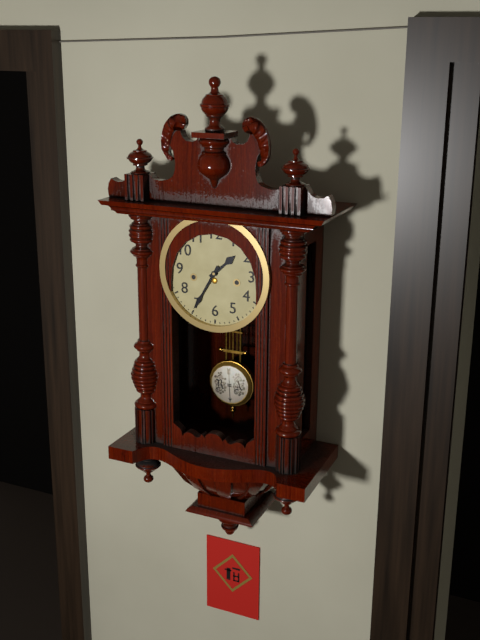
1:35
